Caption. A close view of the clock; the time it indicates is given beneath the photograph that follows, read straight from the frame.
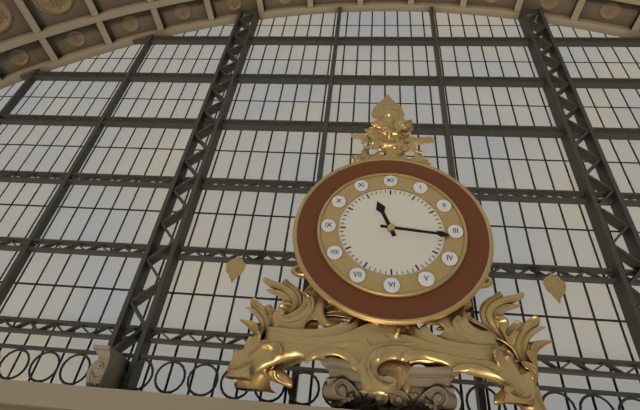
11:16
